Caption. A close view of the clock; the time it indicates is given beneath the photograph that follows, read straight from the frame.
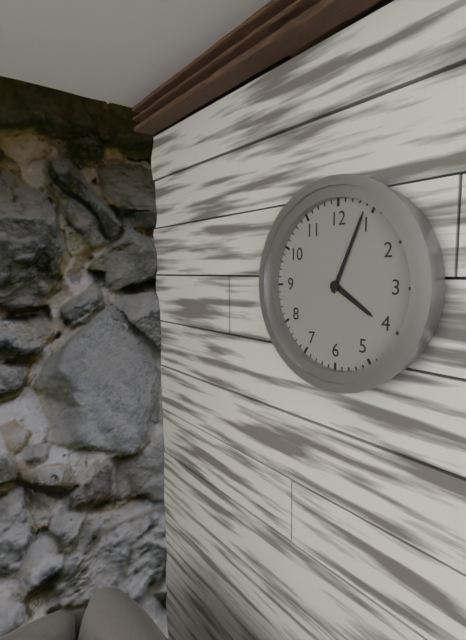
4:04
